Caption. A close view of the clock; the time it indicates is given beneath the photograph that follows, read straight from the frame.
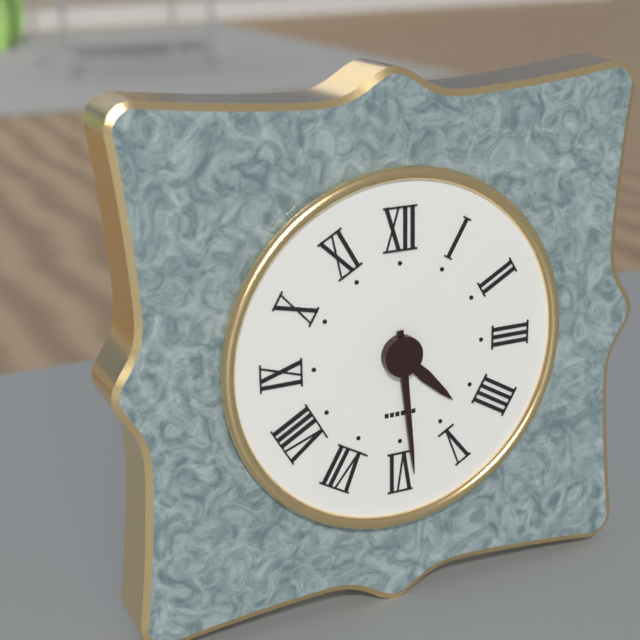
4:29
